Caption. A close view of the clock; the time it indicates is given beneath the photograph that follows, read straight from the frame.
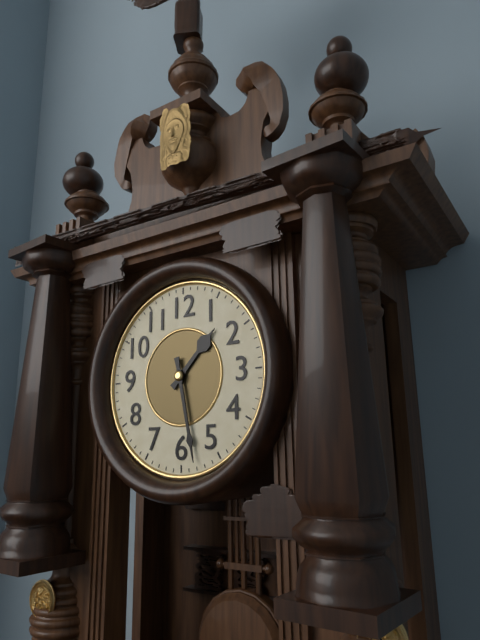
1:28
